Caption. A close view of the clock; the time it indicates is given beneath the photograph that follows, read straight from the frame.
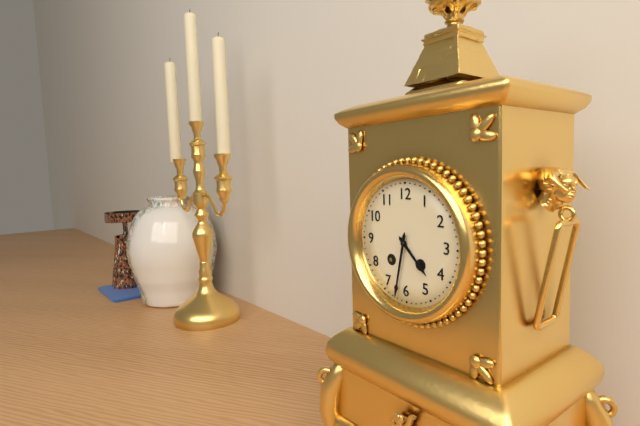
4:32
